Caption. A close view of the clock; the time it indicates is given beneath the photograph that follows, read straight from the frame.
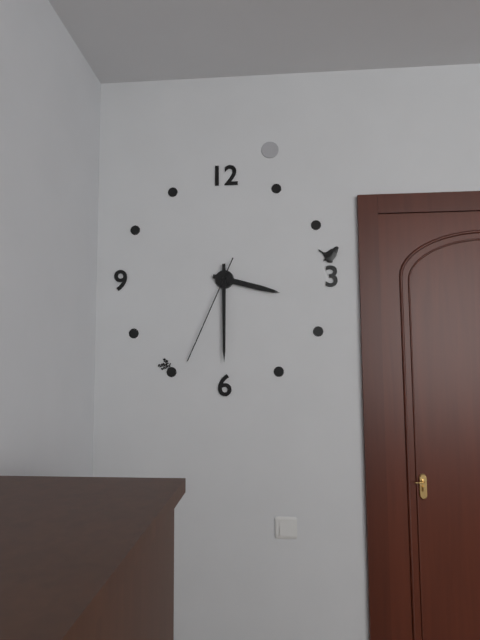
3:30:34
